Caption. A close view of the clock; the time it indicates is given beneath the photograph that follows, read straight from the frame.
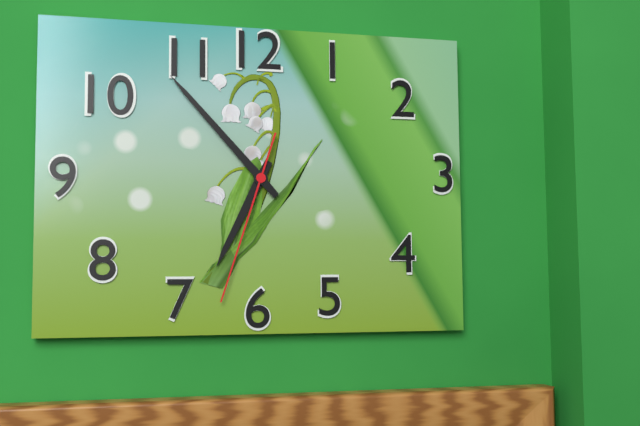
6:53:33
